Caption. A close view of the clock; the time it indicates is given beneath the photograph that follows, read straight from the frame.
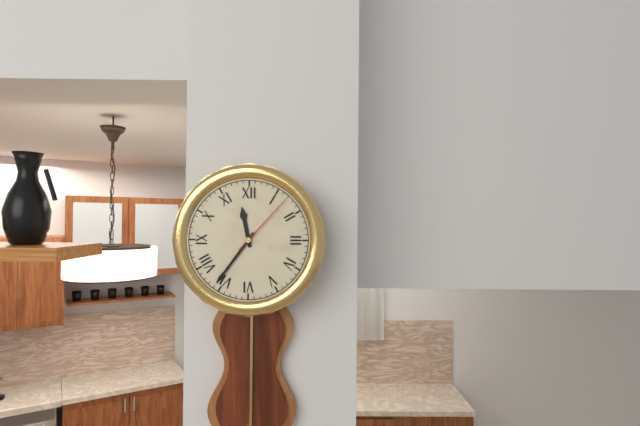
11:36:07
